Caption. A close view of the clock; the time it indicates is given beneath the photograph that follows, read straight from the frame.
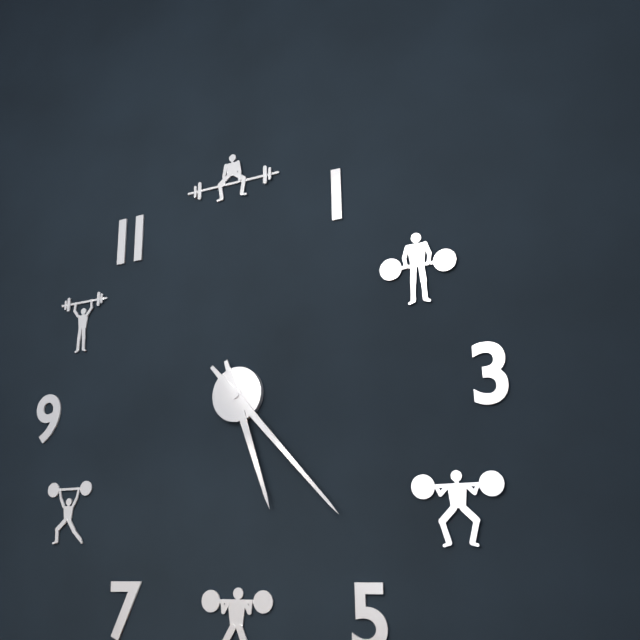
5:23
